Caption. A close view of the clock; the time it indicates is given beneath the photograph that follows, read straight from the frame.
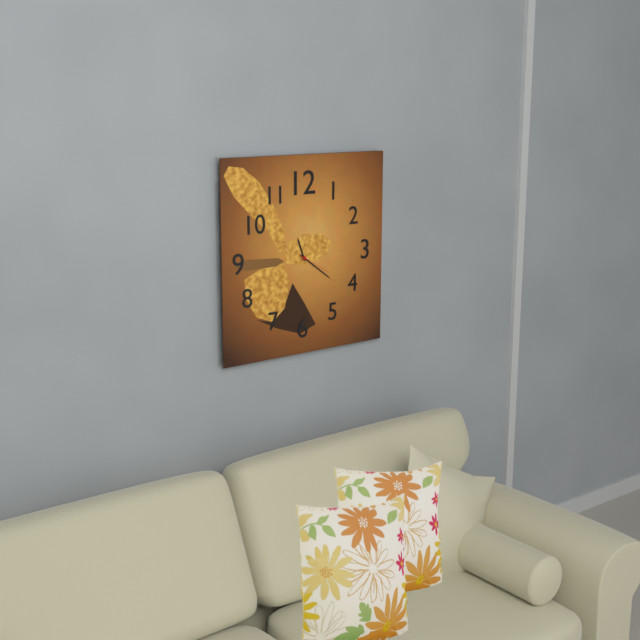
11:21
